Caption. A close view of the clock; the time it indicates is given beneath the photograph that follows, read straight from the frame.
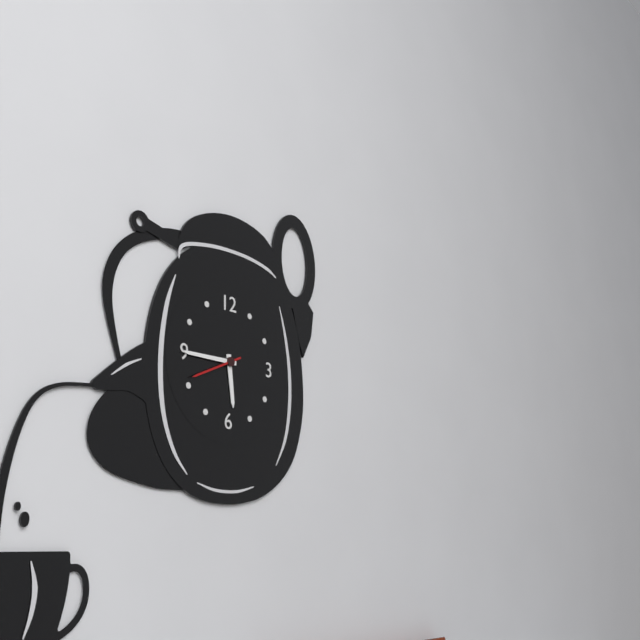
5:45:41
